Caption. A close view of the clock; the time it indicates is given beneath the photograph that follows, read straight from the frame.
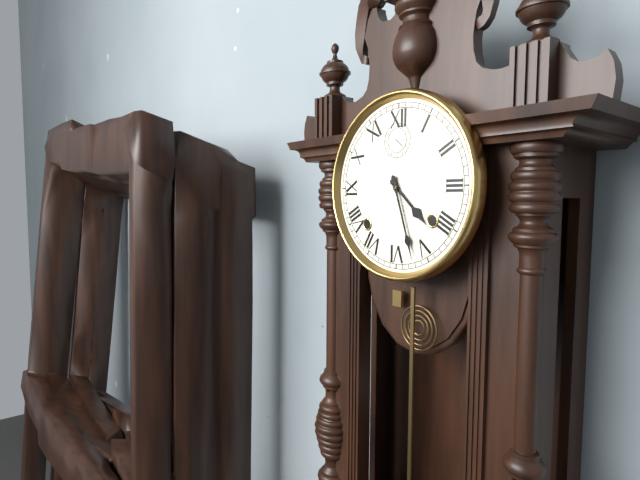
4:27
